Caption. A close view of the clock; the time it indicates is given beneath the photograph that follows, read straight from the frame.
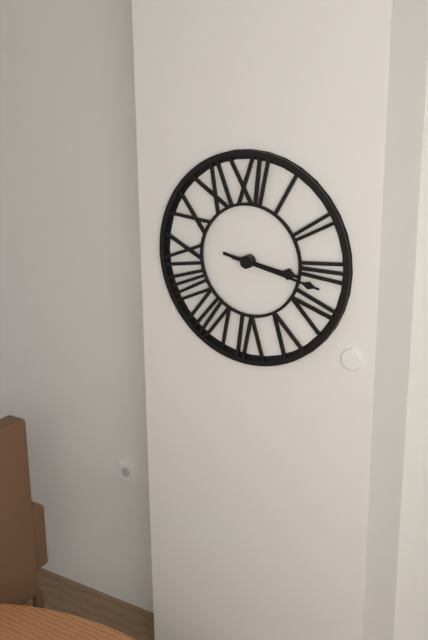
3:17
